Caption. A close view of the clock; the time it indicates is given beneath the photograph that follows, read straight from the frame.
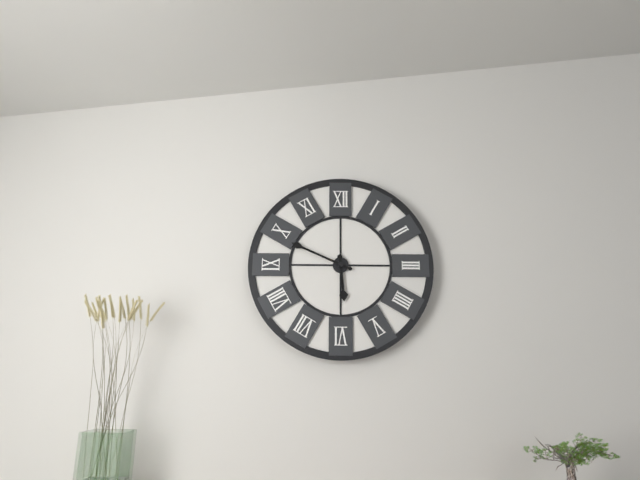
5:49
